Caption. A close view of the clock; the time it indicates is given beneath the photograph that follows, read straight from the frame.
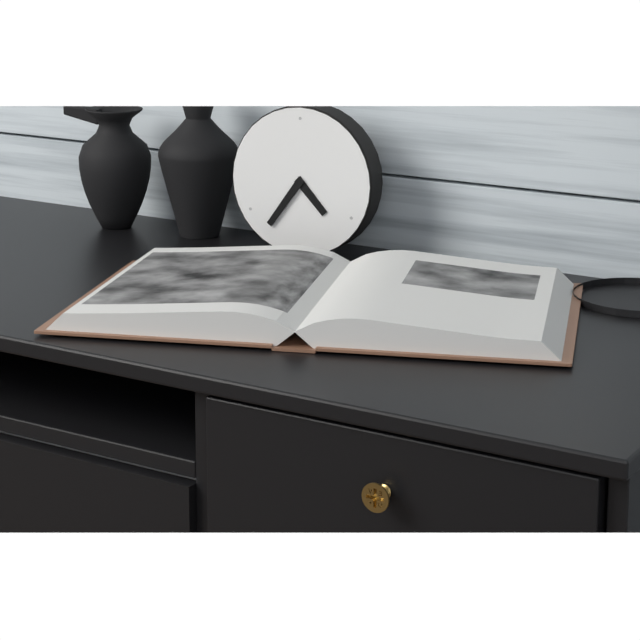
4:36
